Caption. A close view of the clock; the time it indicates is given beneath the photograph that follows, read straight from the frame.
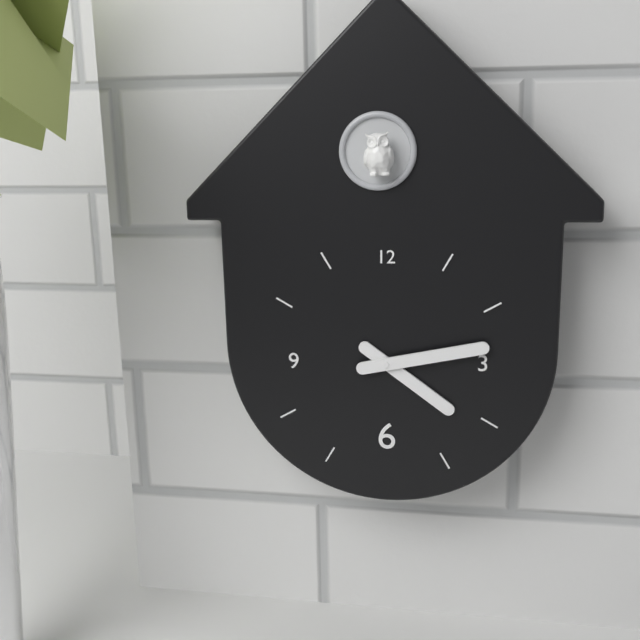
4:13
